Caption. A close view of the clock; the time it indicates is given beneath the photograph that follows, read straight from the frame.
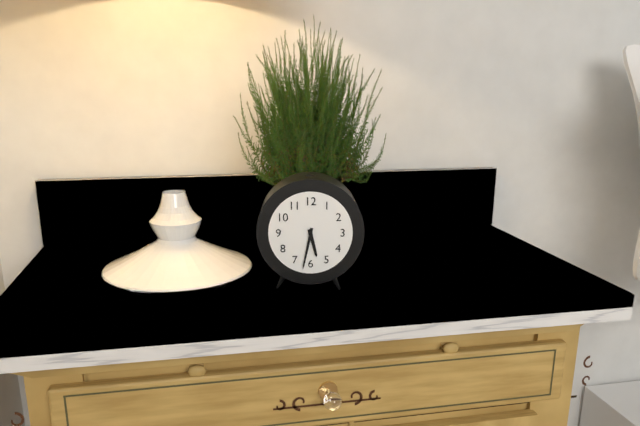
5:32
